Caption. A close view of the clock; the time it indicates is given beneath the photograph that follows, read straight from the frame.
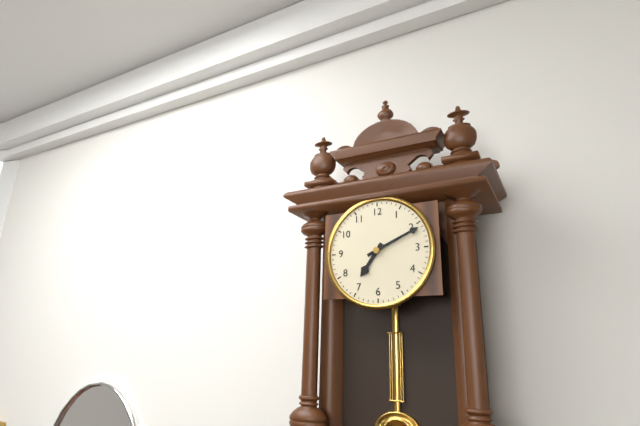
7:11
